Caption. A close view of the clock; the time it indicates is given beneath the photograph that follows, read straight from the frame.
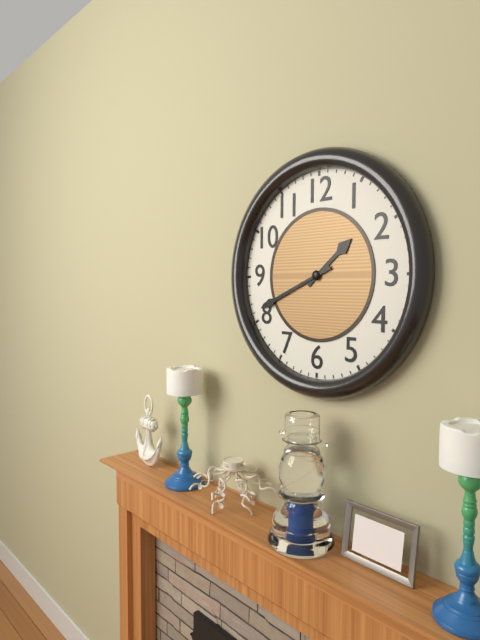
1:41
